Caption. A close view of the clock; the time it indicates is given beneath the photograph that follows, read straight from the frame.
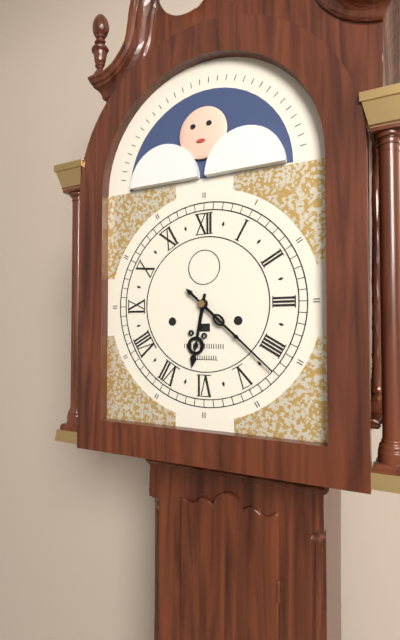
6:22
